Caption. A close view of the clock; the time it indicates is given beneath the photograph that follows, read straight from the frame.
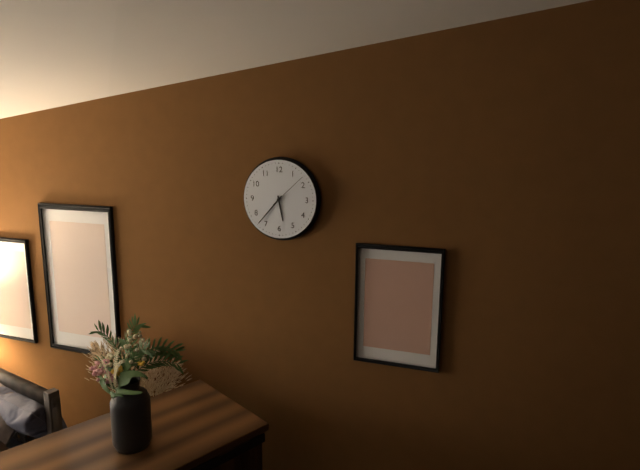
5:37
